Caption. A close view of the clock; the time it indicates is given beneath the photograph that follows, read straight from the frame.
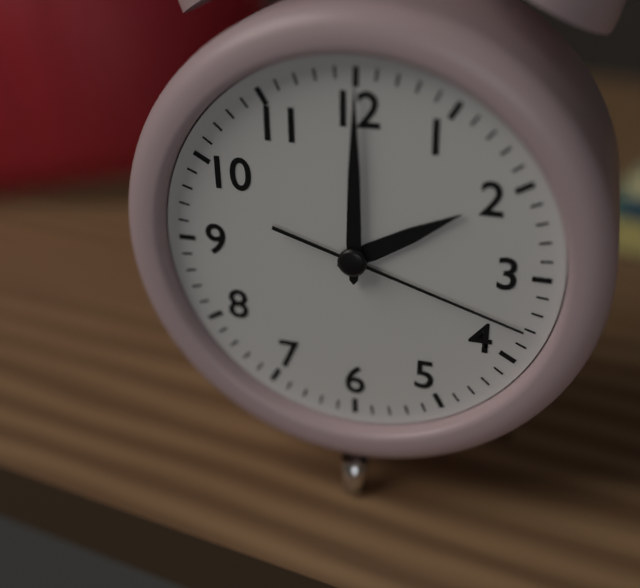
2:00:18
